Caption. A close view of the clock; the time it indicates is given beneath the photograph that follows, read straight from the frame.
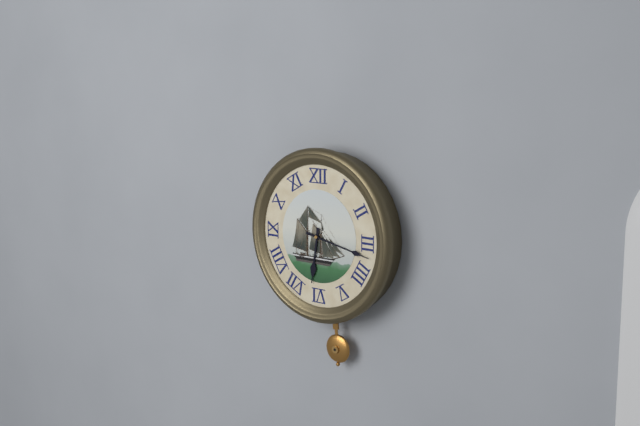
6:17
